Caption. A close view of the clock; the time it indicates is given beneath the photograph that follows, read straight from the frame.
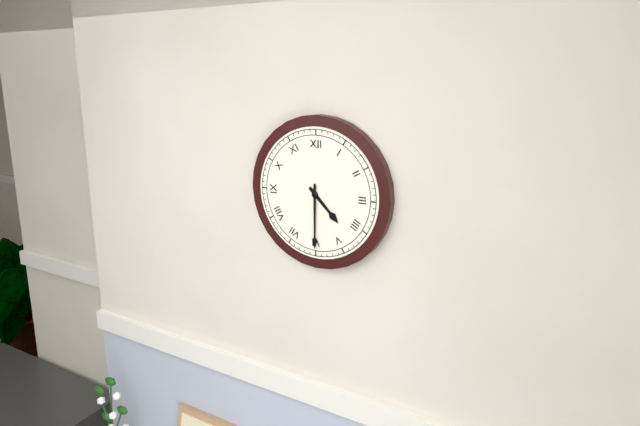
4:30
